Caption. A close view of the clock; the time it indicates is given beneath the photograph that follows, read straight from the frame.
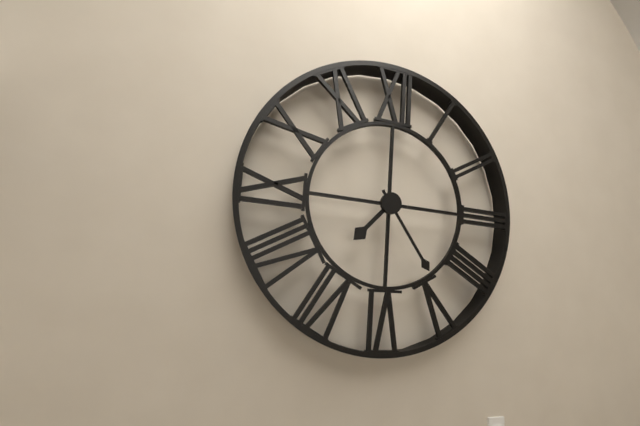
7:24
